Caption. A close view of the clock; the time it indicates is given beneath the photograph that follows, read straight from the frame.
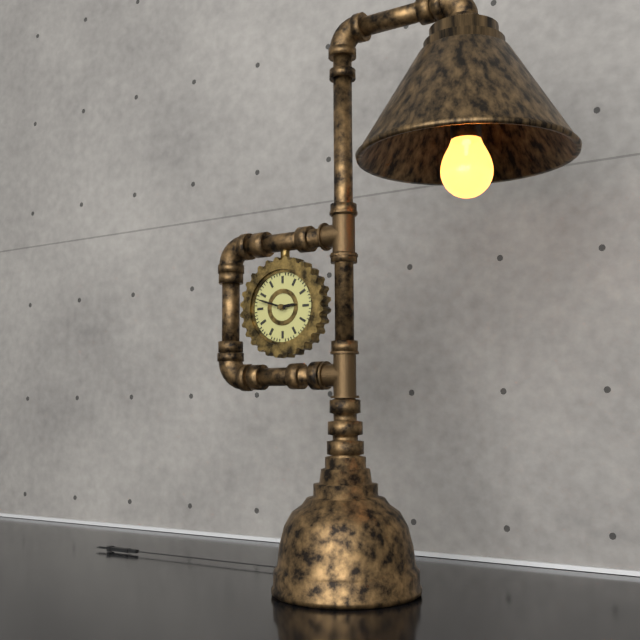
2:48
